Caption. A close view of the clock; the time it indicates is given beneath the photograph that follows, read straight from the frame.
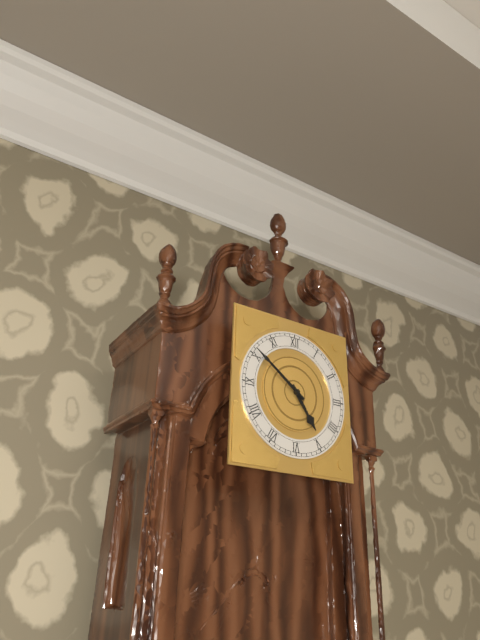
4:51
